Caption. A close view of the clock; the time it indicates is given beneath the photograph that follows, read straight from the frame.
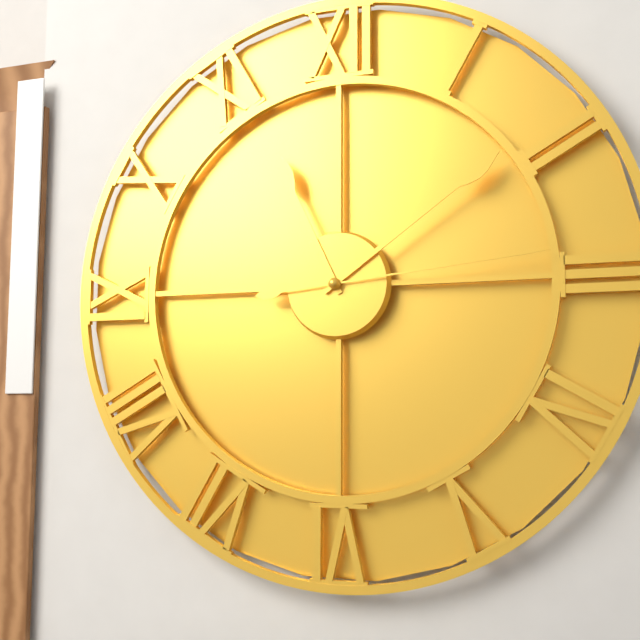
11:09:14
